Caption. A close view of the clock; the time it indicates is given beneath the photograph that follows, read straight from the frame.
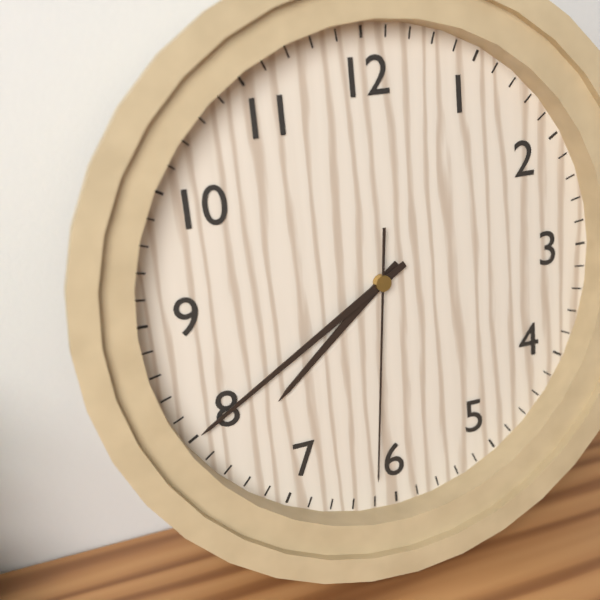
7:40:31
